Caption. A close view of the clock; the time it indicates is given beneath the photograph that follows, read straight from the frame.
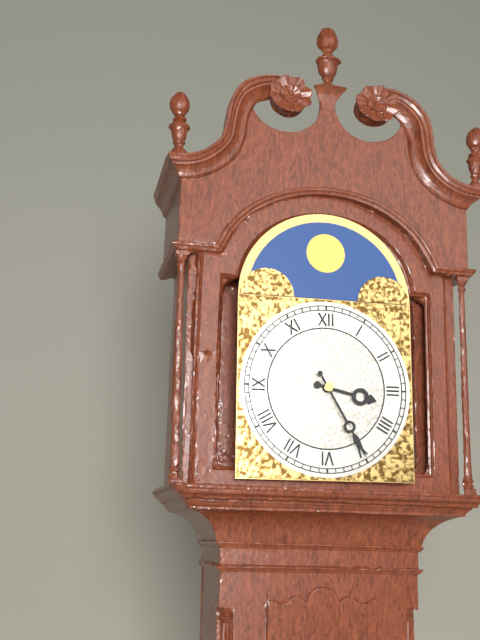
3:25
